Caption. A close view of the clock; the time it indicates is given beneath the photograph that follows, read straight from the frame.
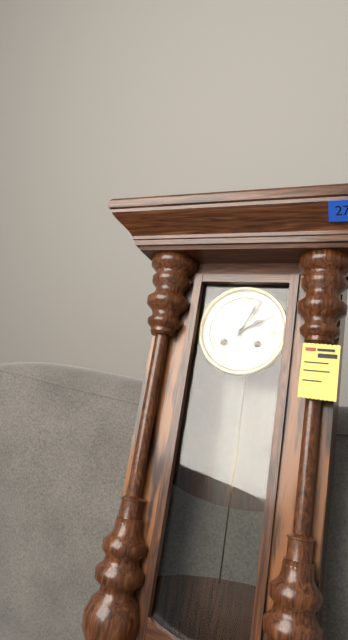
2:04
